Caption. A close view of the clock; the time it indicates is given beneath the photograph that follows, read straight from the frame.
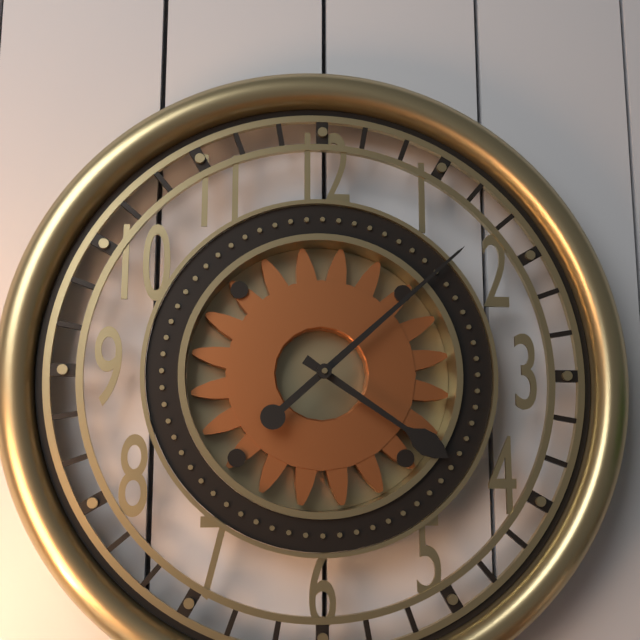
4:08
